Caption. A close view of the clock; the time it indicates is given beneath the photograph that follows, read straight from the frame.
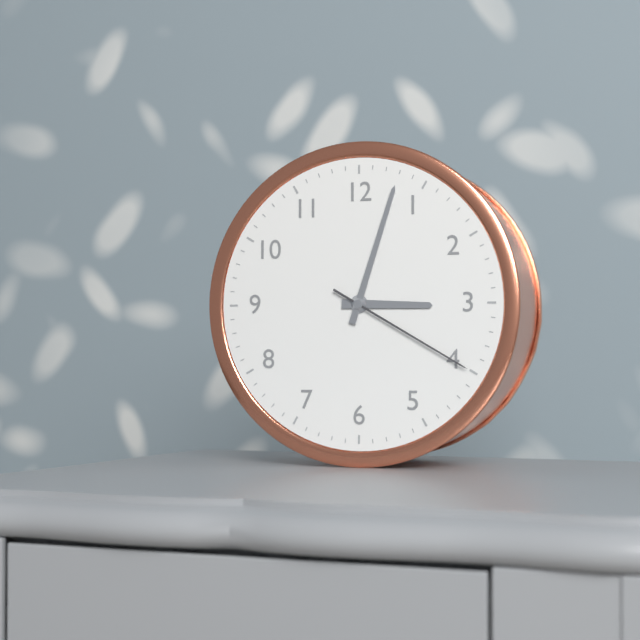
3:03:20
